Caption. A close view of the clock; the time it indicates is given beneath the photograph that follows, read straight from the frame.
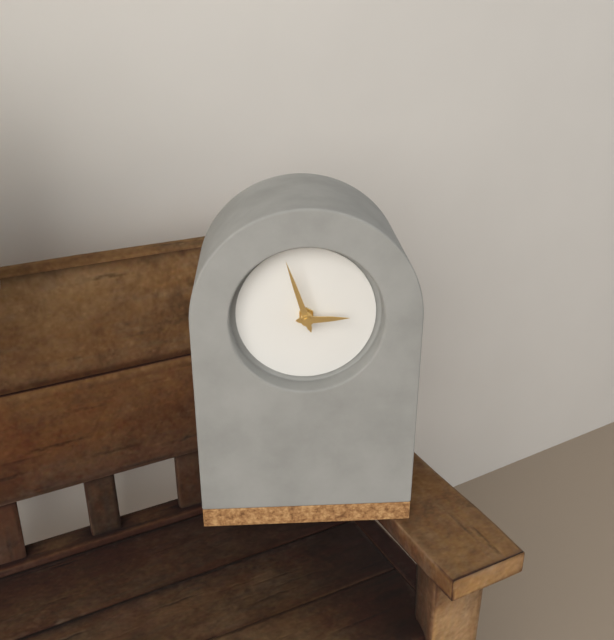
2:57
